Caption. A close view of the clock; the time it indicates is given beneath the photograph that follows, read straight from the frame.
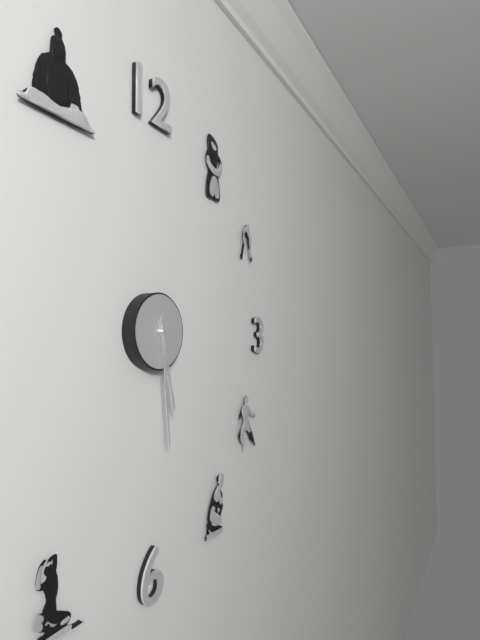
5:29:28
